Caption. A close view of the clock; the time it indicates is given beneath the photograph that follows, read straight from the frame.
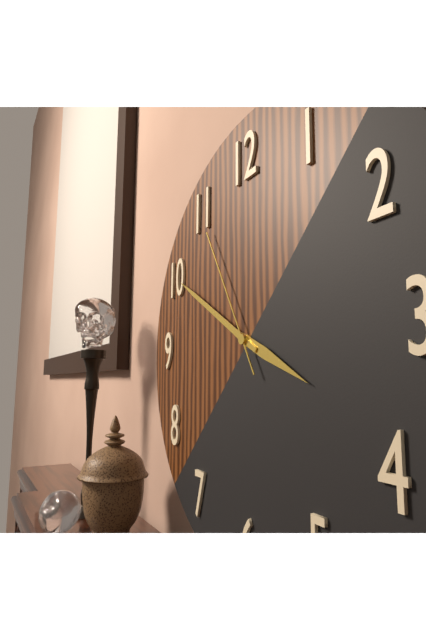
3:50:55
